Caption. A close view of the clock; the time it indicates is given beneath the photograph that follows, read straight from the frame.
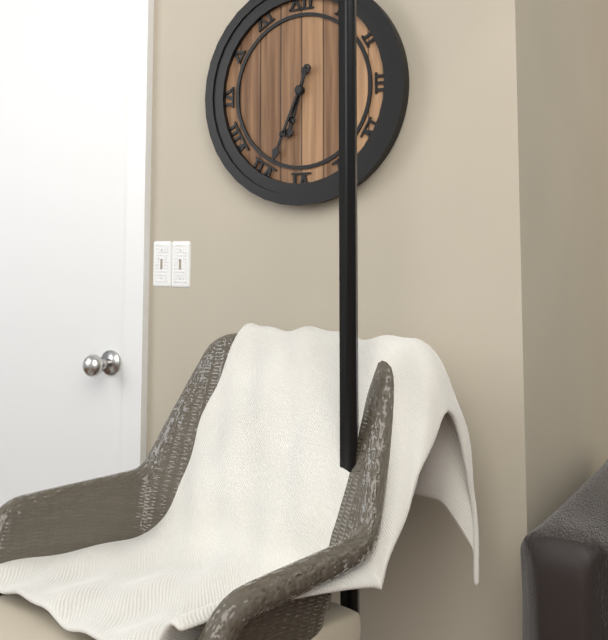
6:34
